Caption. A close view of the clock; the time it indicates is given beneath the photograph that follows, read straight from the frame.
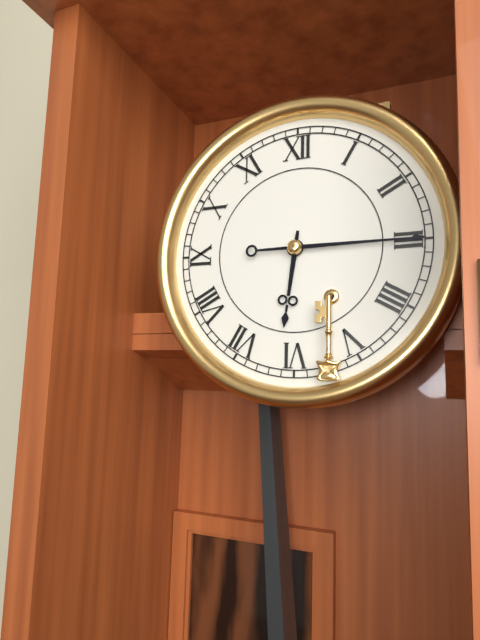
6:15
